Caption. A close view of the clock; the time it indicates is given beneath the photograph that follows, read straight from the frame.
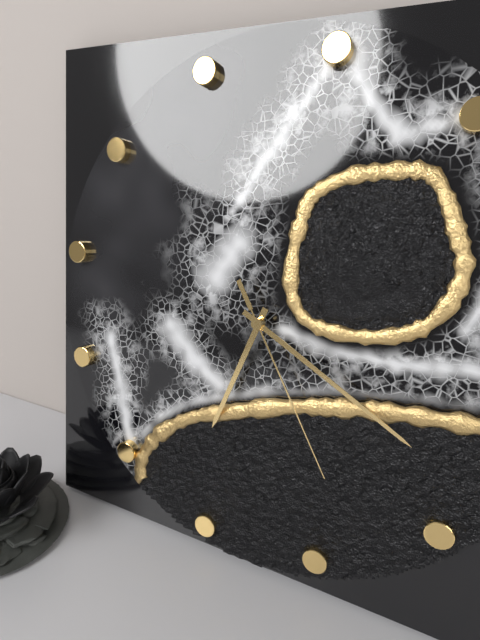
6:18:23
